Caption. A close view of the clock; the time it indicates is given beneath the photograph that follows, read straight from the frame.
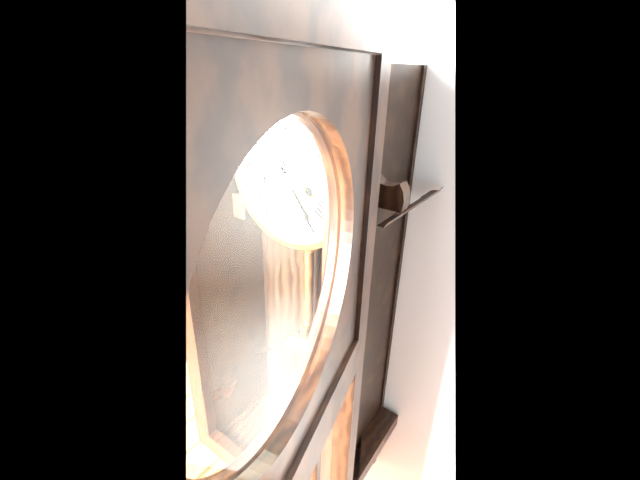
11:24
